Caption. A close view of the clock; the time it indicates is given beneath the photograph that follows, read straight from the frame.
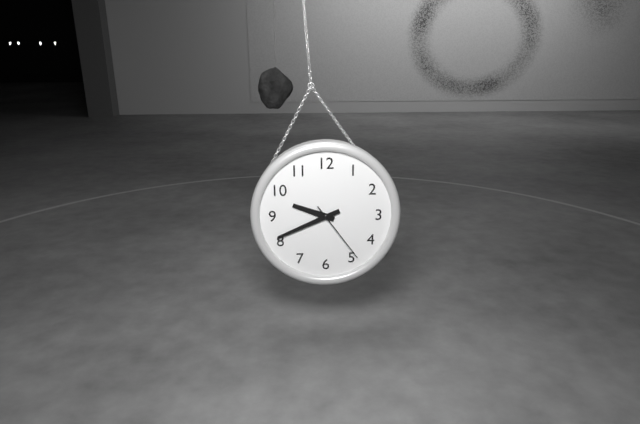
9:41:24
